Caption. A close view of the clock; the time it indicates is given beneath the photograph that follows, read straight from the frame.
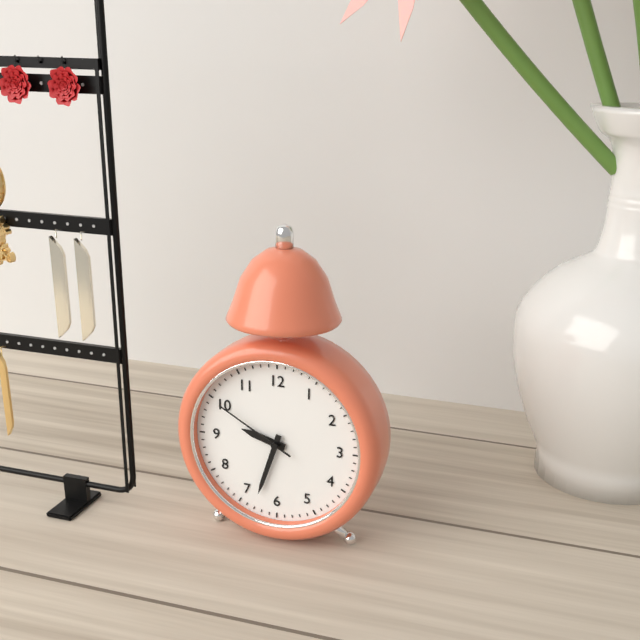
9:33:50
